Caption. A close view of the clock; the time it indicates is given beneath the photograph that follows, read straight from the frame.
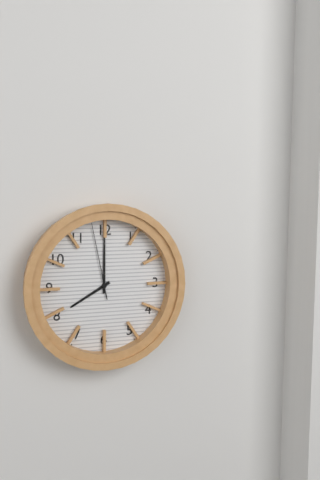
8:00:58
